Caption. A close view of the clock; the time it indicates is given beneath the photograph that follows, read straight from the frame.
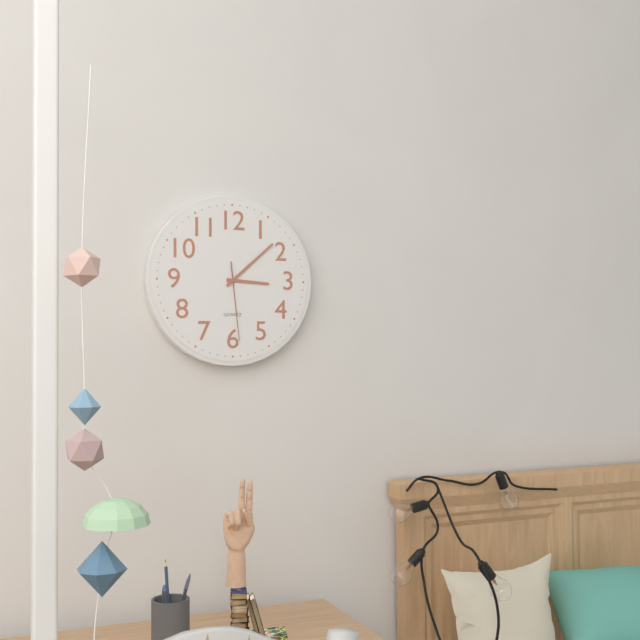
3:08:29
